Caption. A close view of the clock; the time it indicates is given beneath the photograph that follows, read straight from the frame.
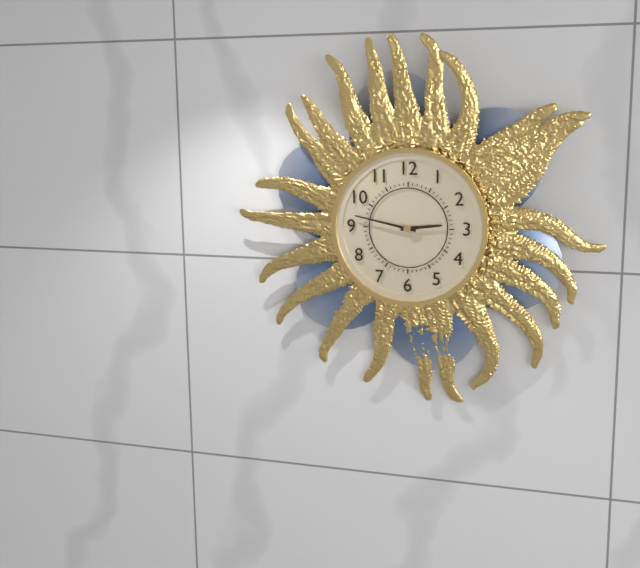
2:47
